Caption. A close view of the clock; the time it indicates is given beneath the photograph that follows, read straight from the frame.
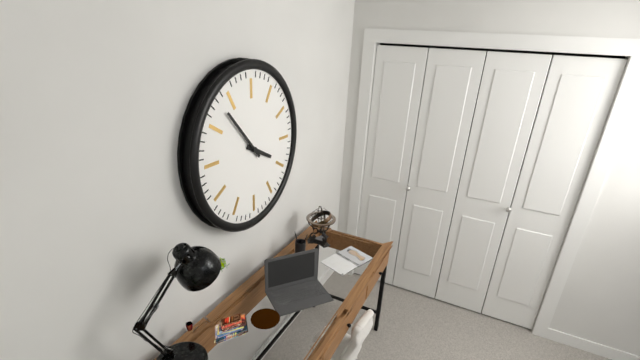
3:53
